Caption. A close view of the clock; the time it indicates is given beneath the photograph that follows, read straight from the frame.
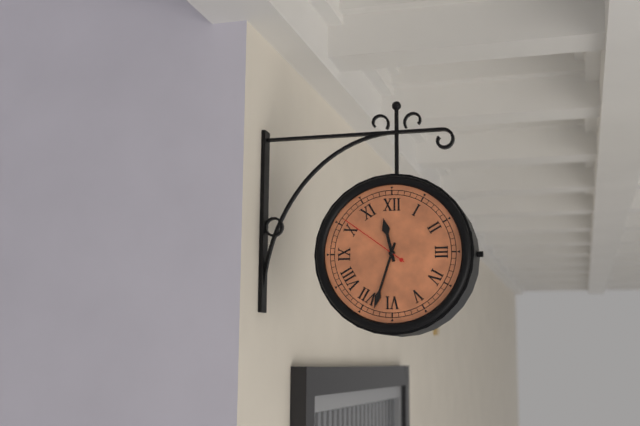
11:33:51
